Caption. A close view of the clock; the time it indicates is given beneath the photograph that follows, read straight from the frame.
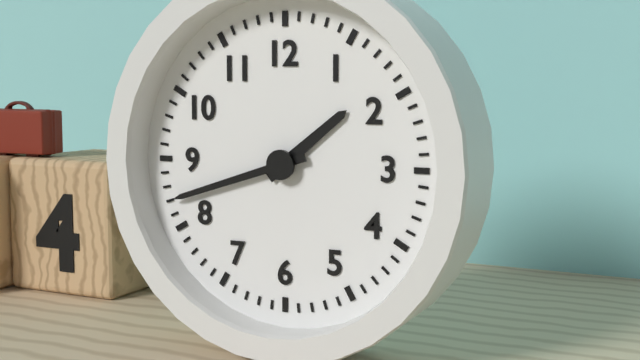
1:42
